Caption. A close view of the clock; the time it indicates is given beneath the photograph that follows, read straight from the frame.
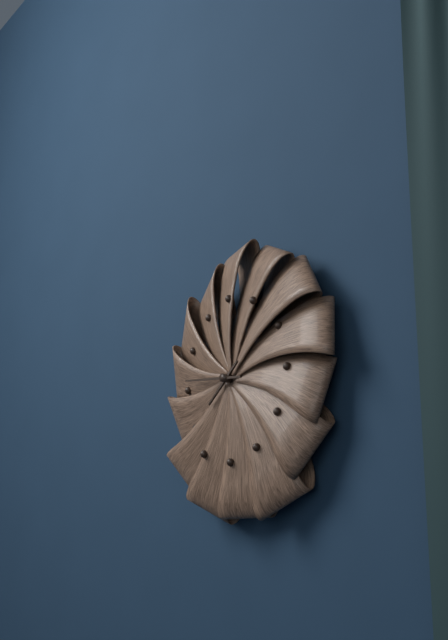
7:46
